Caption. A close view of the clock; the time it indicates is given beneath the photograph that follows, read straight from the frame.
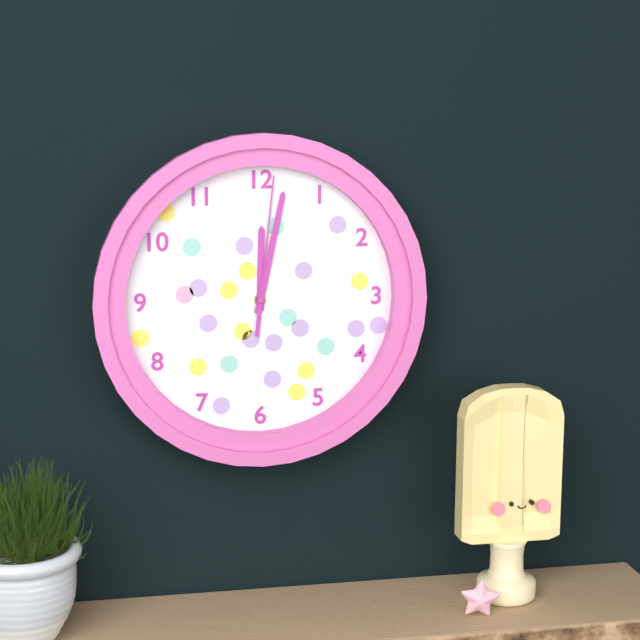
12:02:01
